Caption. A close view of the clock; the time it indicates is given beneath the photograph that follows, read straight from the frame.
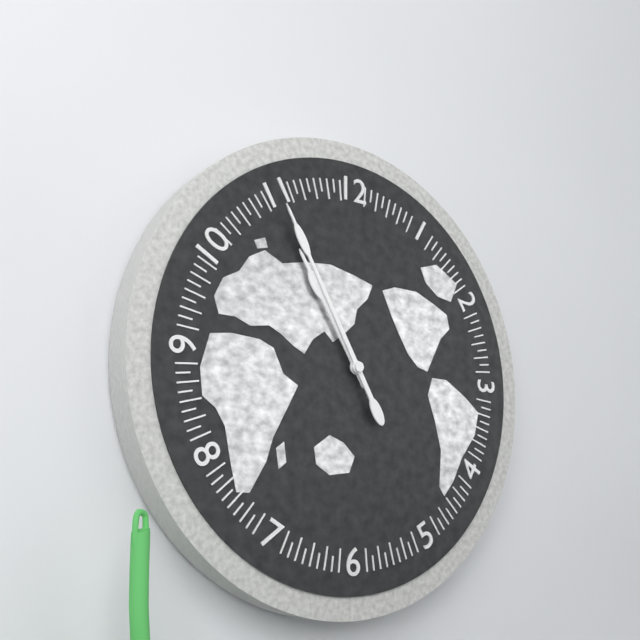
10:55
